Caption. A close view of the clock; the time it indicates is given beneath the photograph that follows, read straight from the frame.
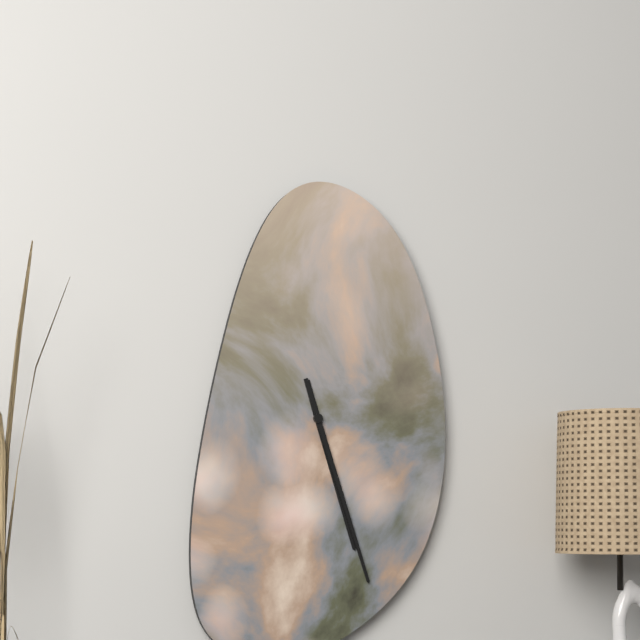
5:27
